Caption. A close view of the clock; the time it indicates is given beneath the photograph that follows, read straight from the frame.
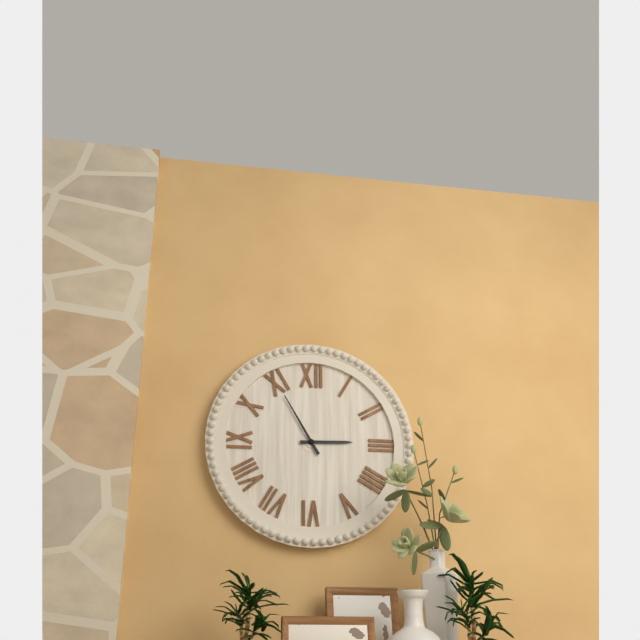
2:55
